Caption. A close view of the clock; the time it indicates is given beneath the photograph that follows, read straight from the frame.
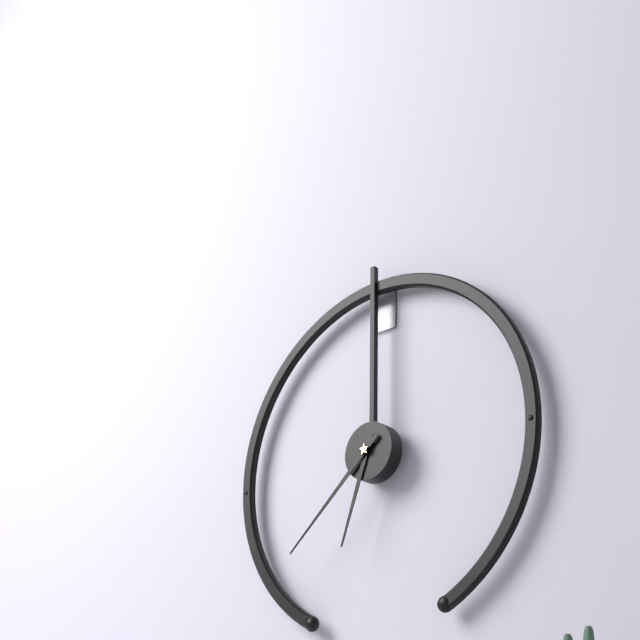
6:38
